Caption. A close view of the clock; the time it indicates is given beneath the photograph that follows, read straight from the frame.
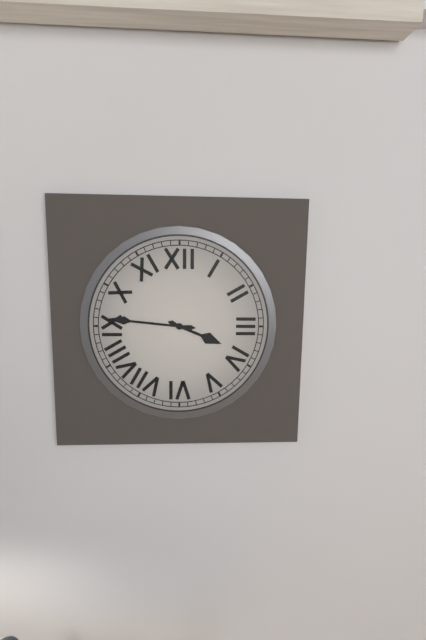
3:46
